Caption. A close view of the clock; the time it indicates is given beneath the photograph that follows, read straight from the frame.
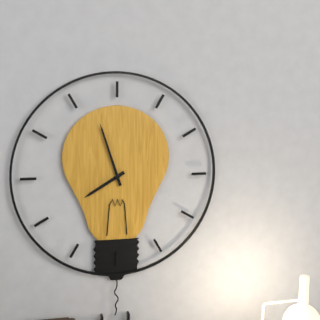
7:57
